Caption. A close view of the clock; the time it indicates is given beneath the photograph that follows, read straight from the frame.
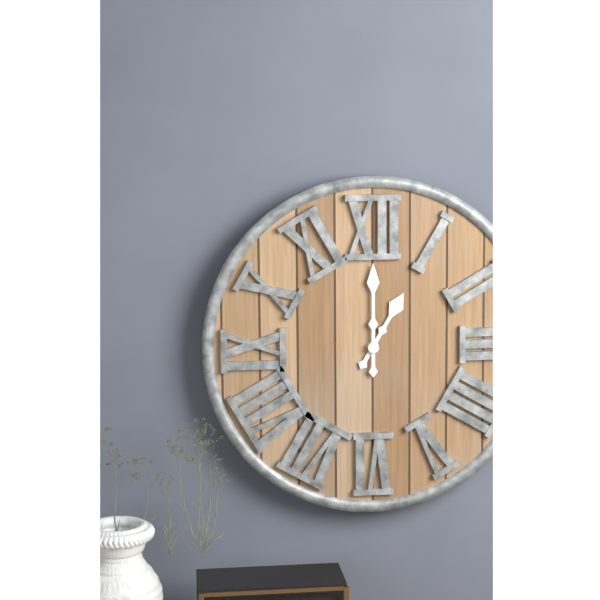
1:00
